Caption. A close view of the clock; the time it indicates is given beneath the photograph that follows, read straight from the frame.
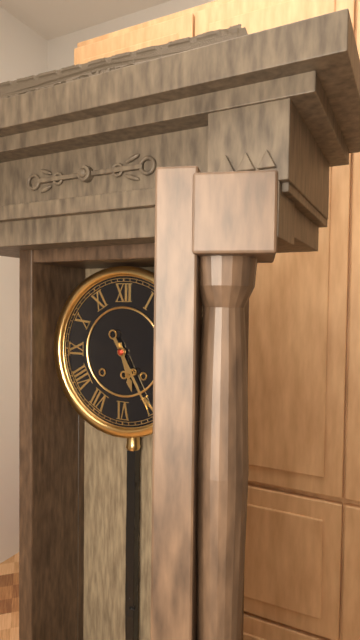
5:25
